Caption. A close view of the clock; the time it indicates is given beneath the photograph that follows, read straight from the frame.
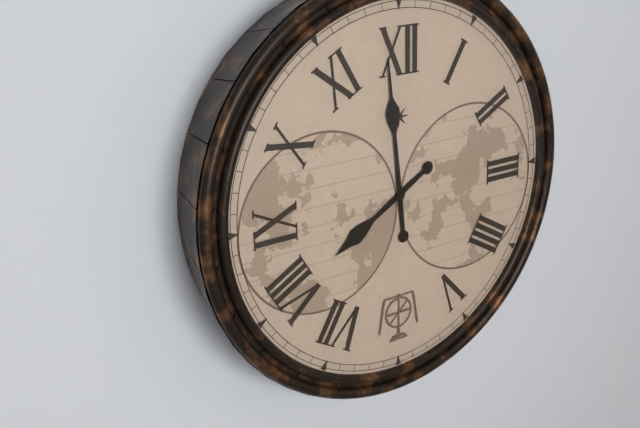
7:59
